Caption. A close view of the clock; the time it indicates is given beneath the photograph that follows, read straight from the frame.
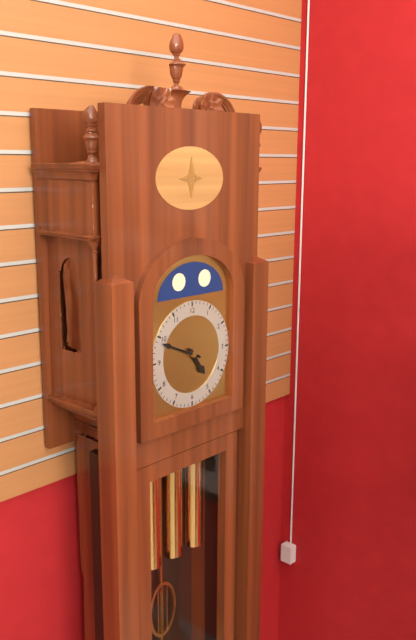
4:49
